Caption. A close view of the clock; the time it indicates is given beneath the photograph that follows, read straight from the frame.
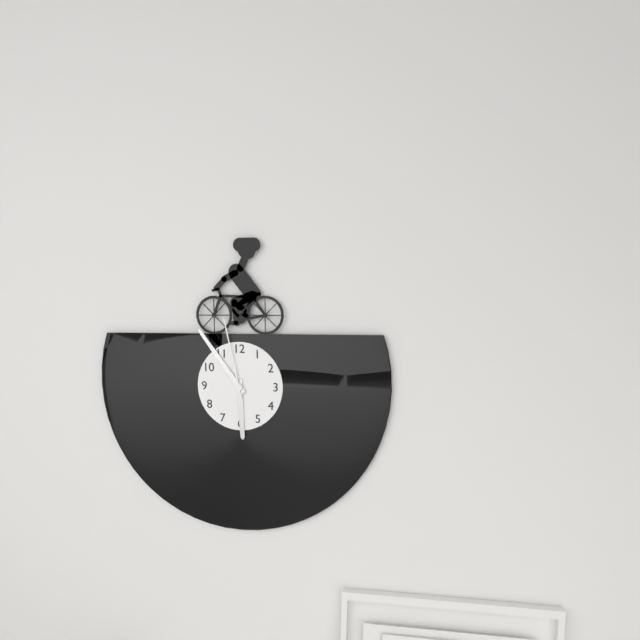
5:54:58
